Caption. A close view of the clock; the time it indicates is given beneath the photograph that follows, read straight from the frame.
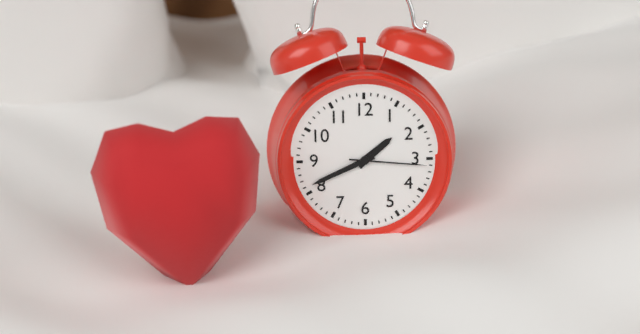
1:41:16
